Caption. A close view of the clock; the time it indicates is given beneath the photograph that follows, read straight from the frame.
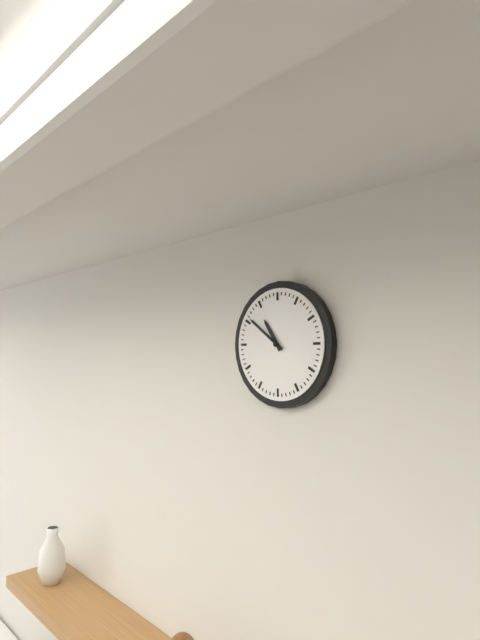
10:51
